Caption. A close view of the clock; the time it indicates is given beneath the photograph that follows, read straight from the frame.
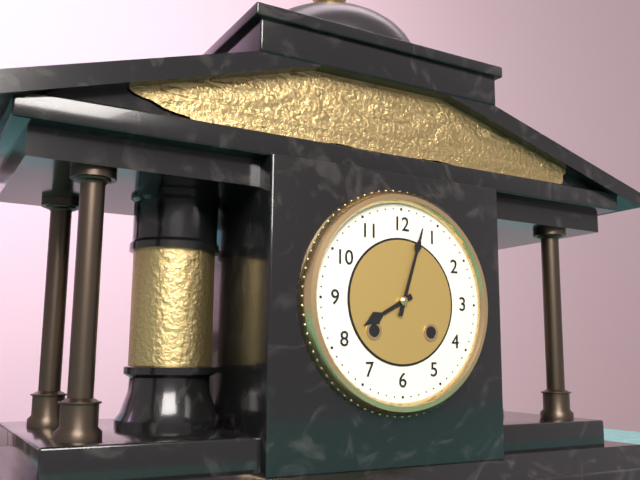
8:03
